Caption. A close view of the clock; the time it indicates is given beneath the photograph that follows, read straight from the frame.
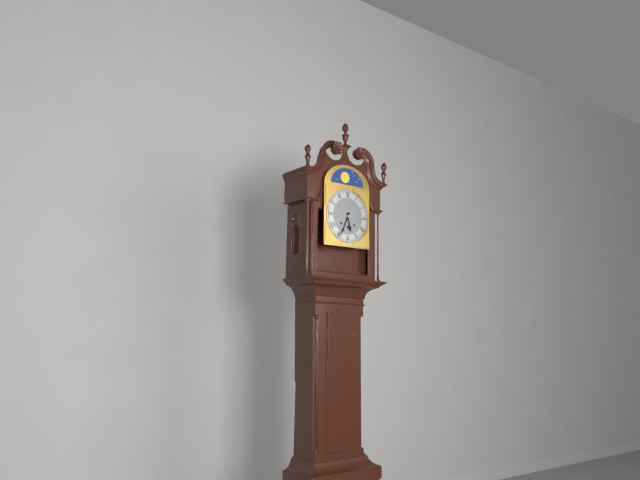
5:34
